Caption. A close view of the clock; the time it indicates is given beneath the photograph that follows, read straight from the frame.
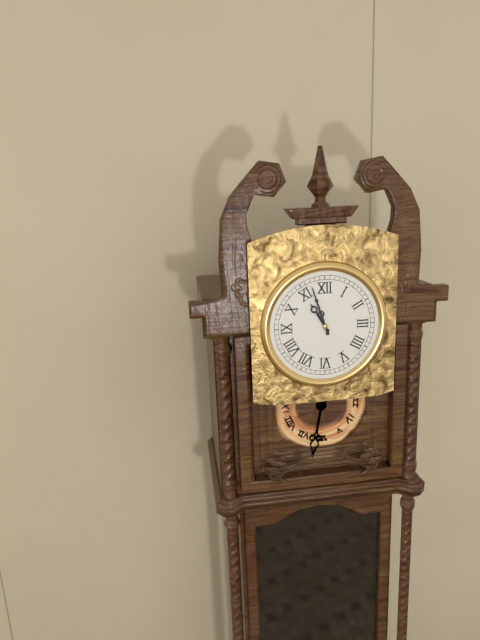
10:57
